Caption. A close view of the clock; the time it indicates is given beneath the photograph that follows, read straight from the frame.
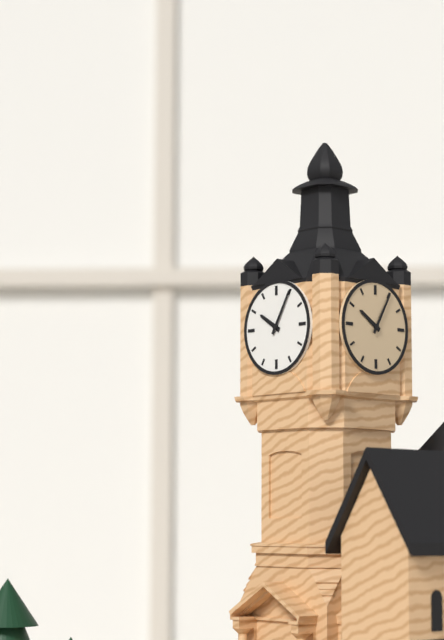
10:05
